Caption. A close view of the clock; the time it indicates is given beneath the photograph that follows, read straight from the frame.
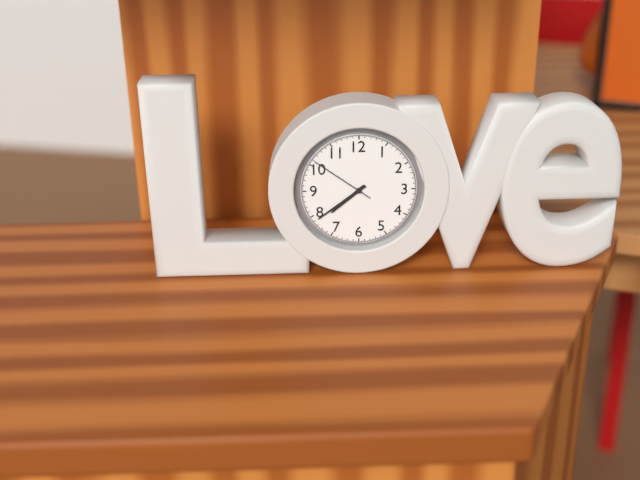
7:39:51
